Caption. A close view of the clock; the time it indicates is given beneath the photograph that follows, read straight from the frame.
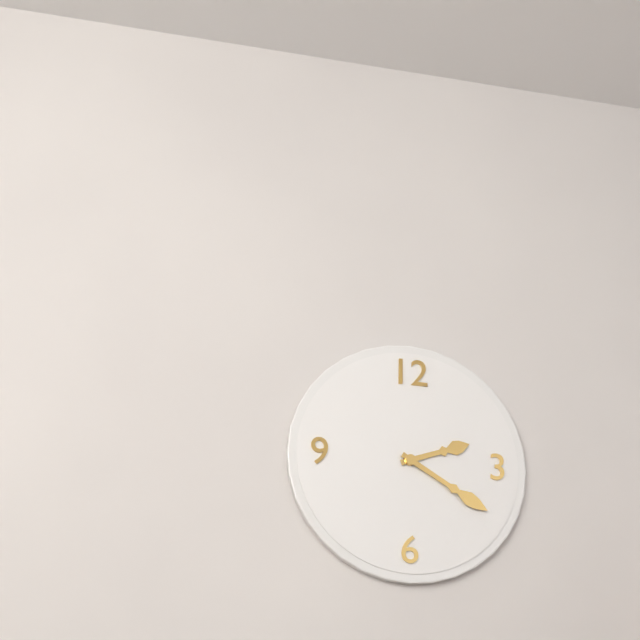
2:20
